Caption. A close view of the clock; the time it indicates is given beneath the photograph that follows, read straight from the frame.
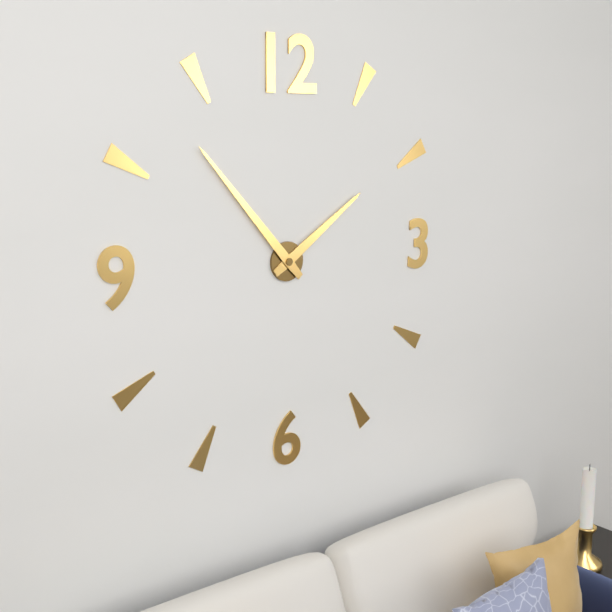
1:53
